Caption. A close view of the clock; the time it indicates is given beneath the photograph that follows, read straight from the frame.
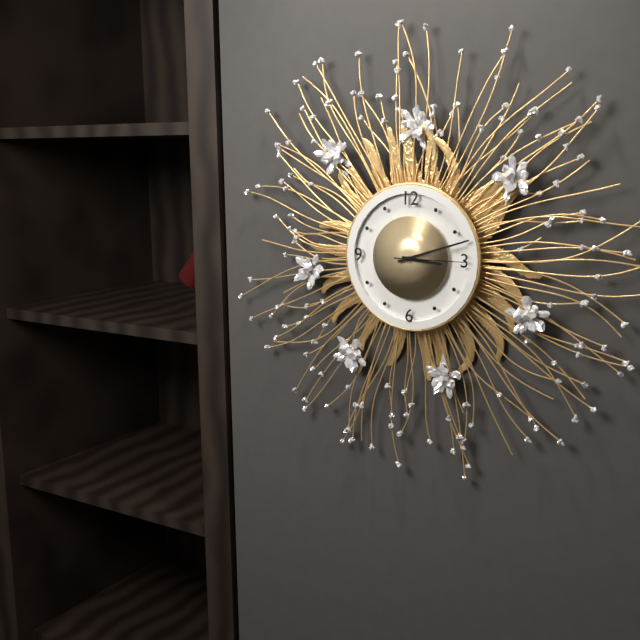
3:12:15
